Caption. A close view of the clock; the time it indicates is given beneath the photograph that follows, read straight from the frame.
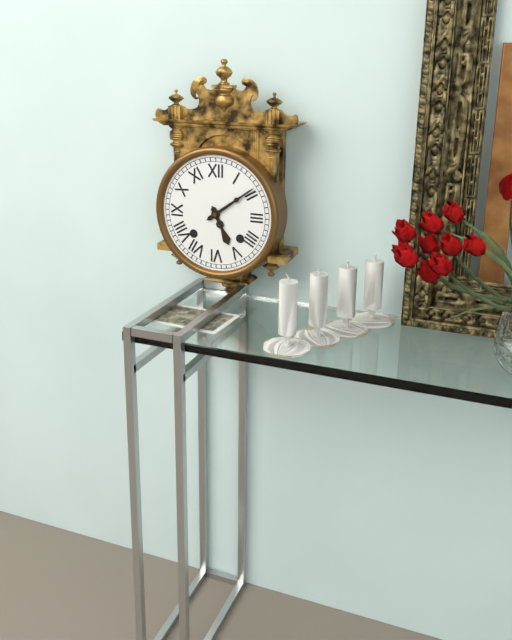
5:09
